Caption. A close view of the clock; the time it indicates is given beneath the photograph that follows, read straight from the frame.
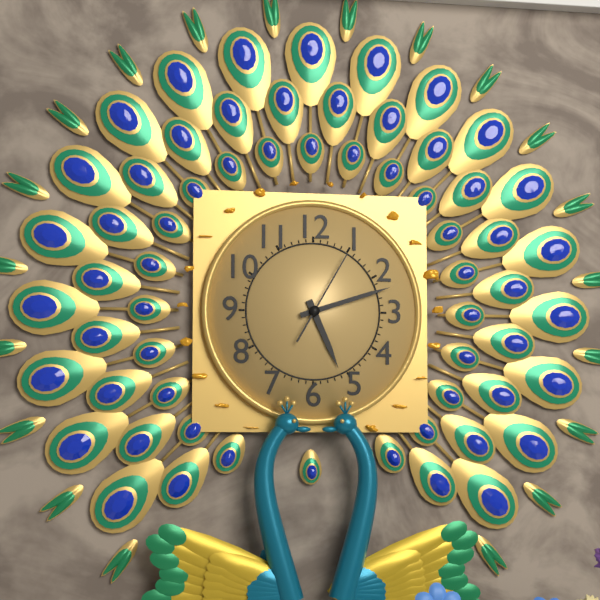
5:12:05
